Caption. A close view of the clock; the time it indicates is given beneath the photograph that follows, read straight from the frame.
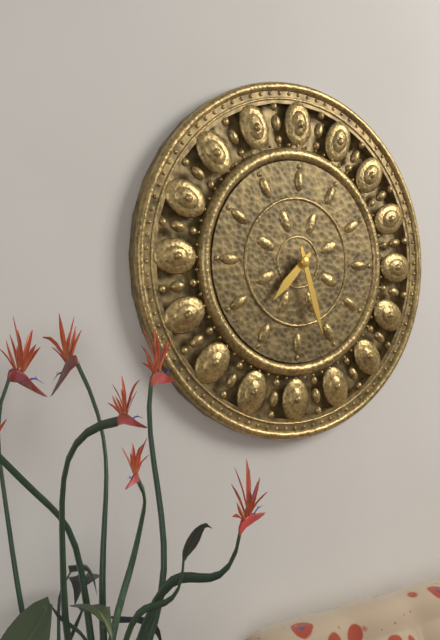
7:27
